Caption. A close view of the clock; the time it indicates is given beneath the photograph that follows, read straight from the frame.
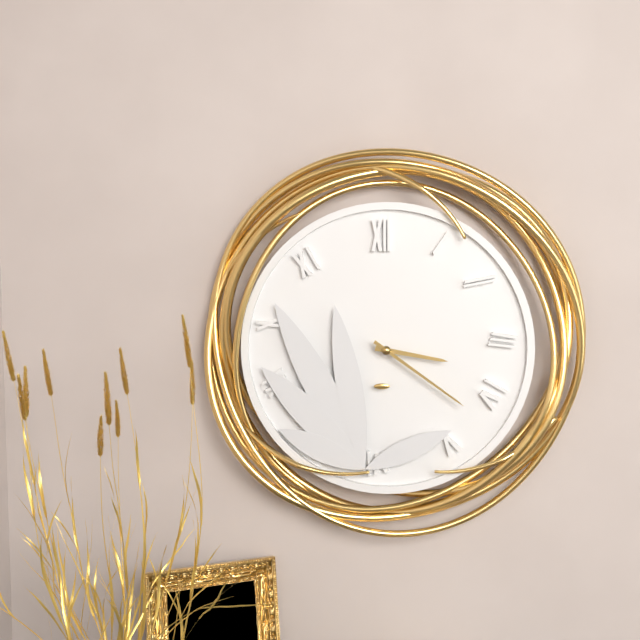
3:21
